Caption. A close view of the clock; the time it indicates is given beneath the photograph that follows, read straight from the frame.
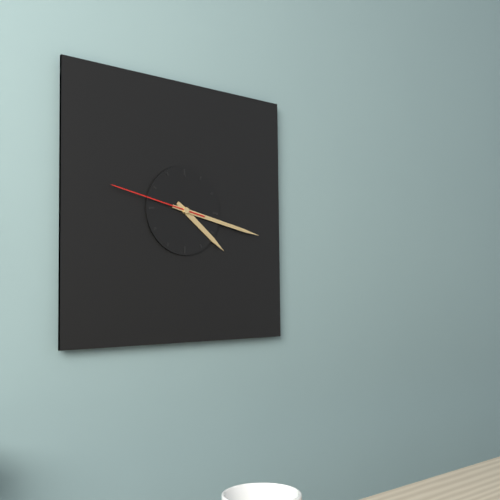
4:17:47
